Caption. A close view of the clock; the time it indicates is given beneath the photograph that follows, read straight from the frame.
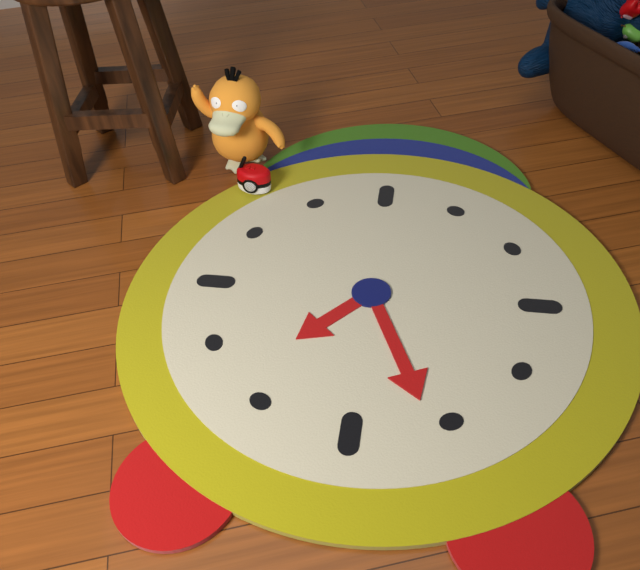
7:26
